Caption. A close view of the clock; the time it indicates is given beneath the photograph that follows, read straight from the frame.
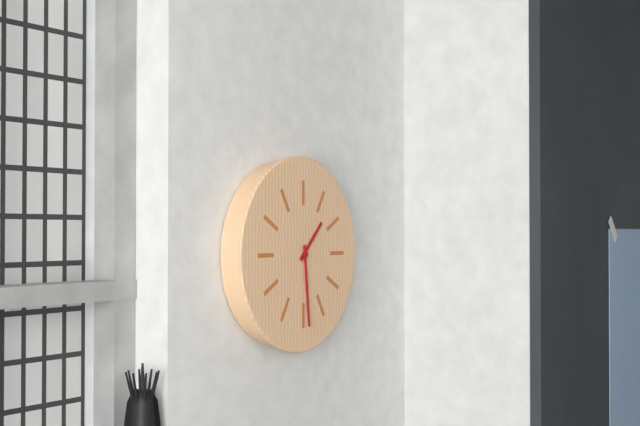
1:29
